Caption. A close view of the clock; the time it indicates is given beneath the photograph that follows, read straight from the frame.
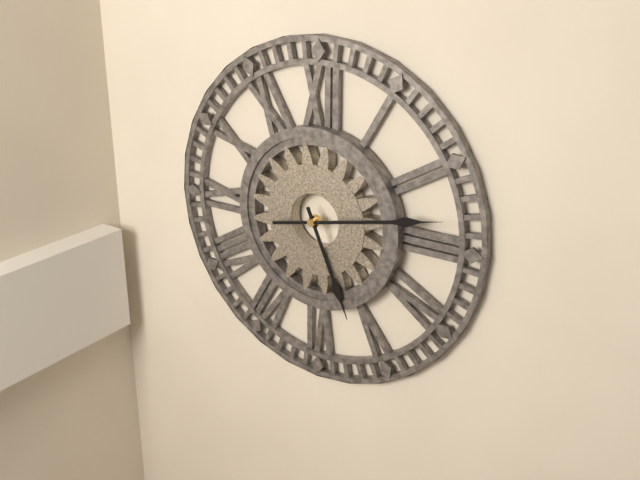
5:13
